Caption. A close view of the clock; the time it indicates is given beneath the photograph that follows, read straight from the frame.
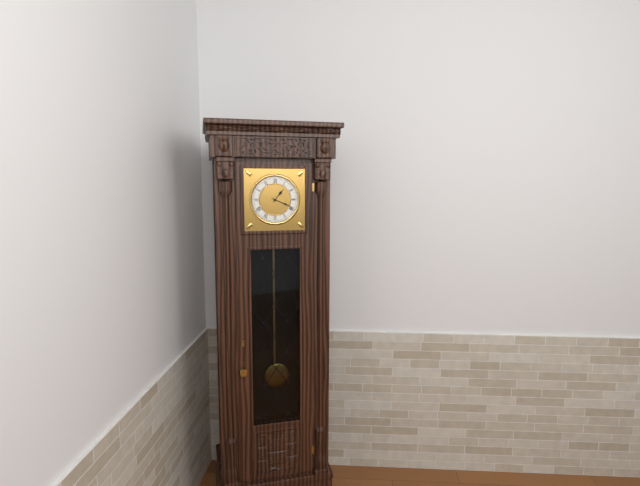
1:19
